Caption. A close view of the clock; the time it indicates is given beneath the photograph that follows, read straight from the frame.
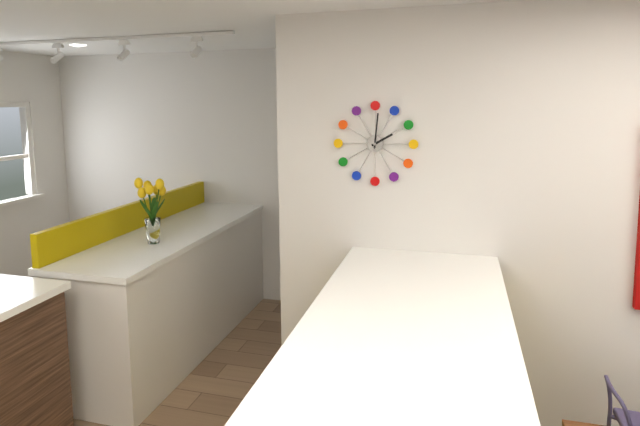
2:01
